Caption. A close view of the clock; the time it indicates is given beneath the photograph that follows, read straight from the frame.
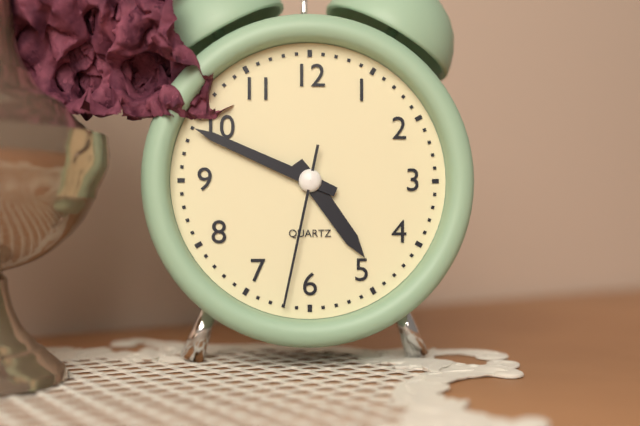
4:49:32
